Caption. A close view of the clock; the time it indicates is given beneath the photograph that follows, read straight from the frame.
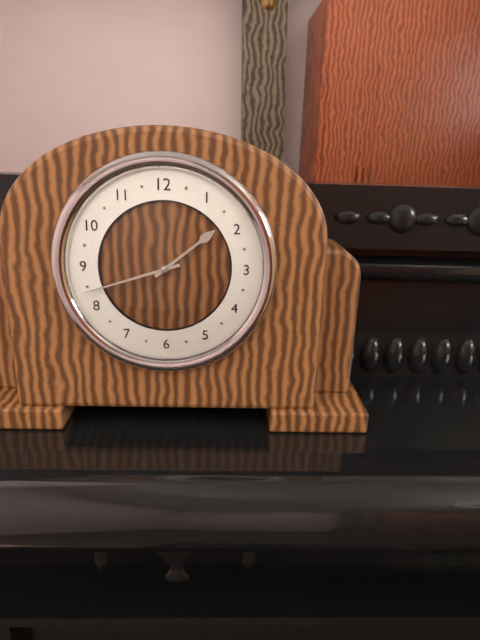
1:42
